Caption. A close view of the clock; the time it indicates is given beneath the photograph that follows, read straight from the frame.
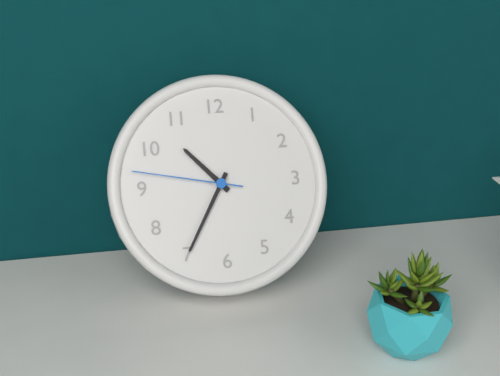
10:35:47
